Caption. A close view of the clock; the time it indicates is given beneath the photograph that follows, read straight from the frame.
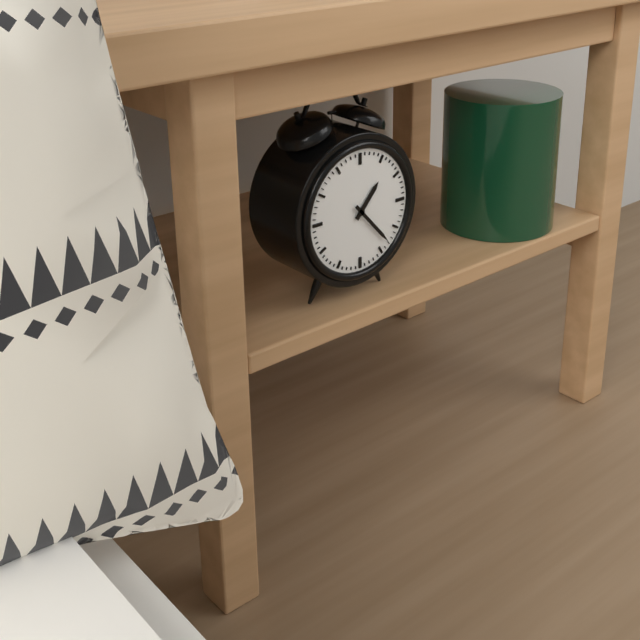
1:23
